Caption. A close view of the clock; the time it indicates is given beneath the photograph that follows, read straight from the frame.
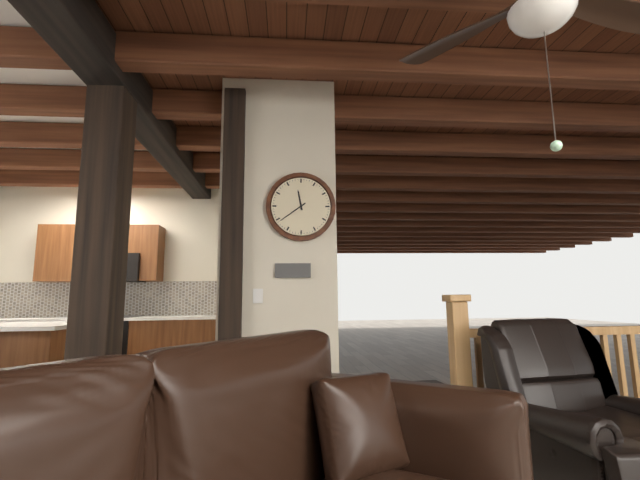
11:39
